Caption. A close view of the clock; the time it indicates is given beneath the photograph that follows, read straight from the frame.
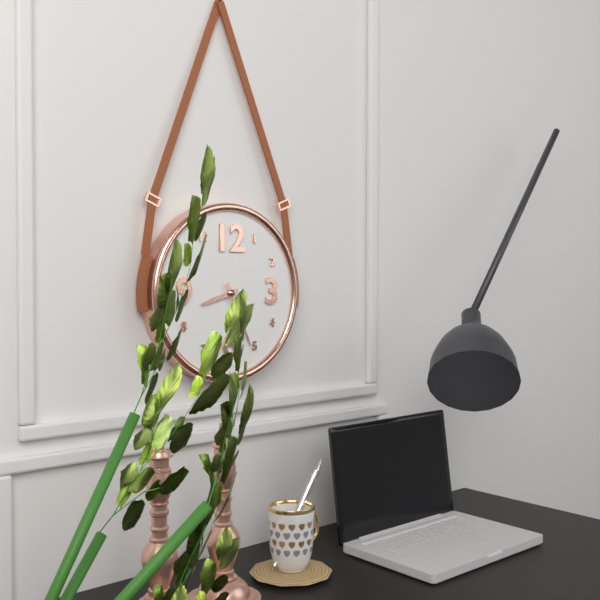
8:26
